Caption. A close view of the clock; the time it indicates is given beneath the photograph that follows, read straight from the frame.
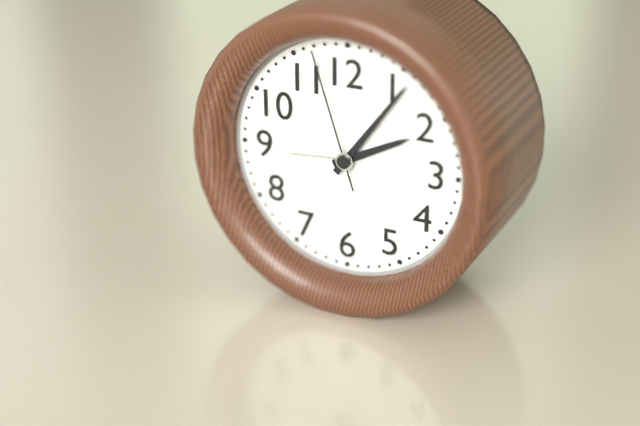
2:06:57
